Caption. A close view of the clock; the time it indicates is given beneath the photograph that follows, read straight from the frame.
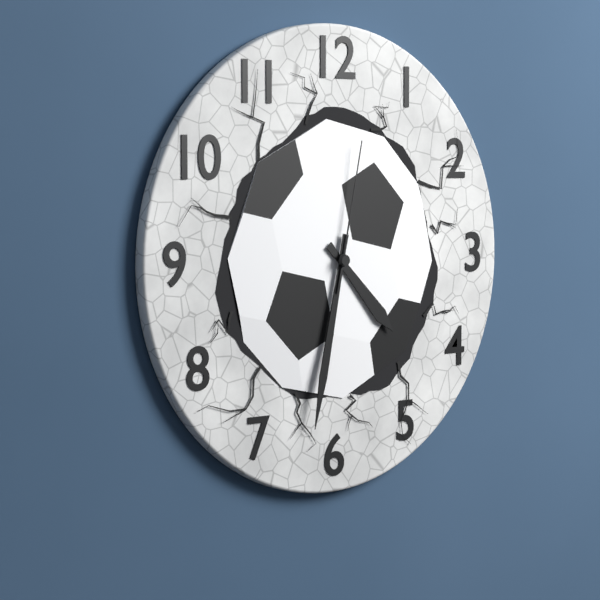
4:32:02
